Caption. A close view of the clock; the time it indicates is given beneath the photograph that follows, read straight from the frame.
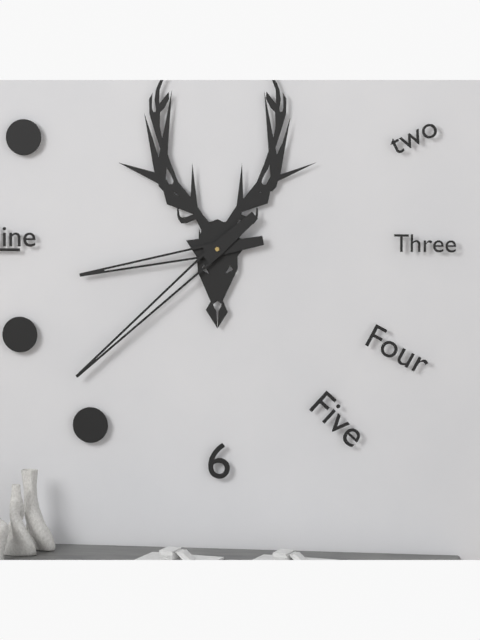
8:38
